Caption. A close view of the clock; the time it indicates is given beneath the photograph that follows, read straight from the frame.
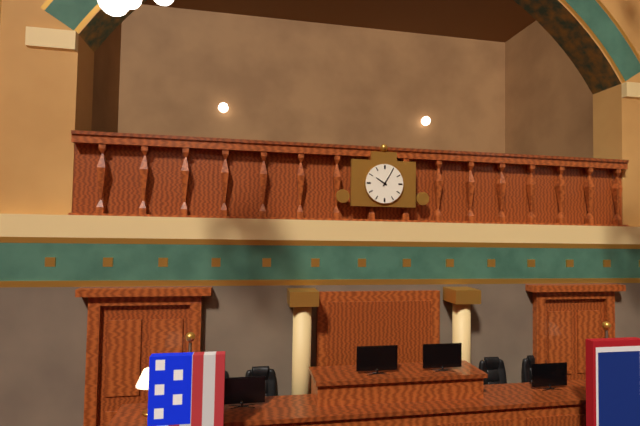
10:05
